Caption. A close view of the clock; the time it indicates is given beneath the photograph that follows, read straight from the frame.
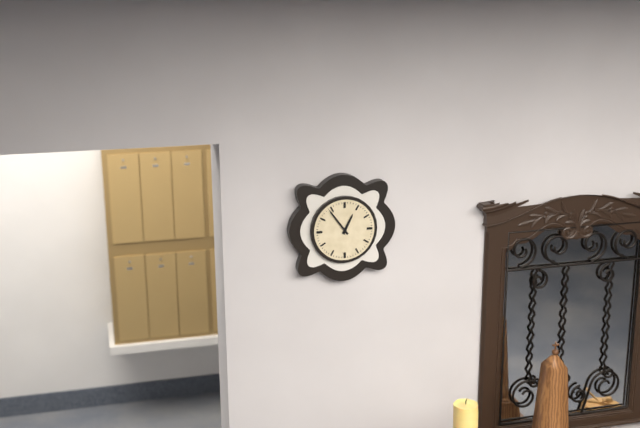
12:54
